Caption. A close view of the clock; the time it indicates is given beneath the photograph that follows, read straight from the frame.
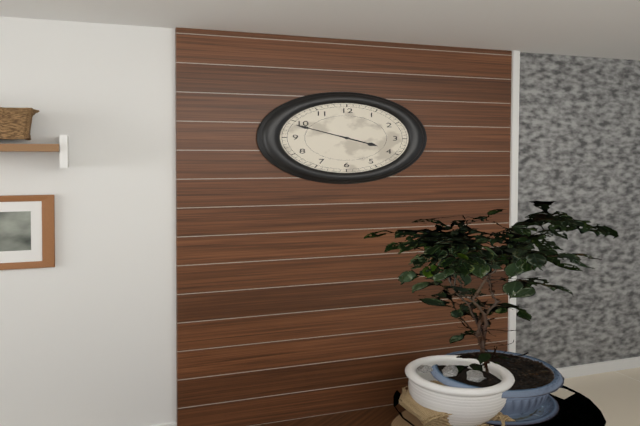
3:49
